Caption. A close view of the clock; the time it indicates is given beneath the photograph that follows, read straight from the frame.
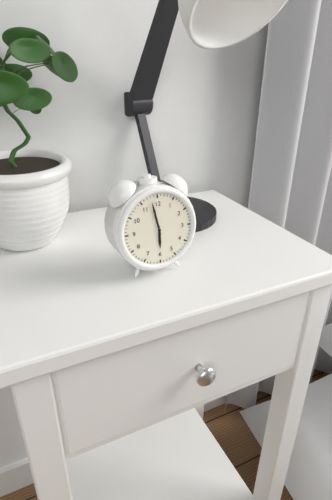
5:58
